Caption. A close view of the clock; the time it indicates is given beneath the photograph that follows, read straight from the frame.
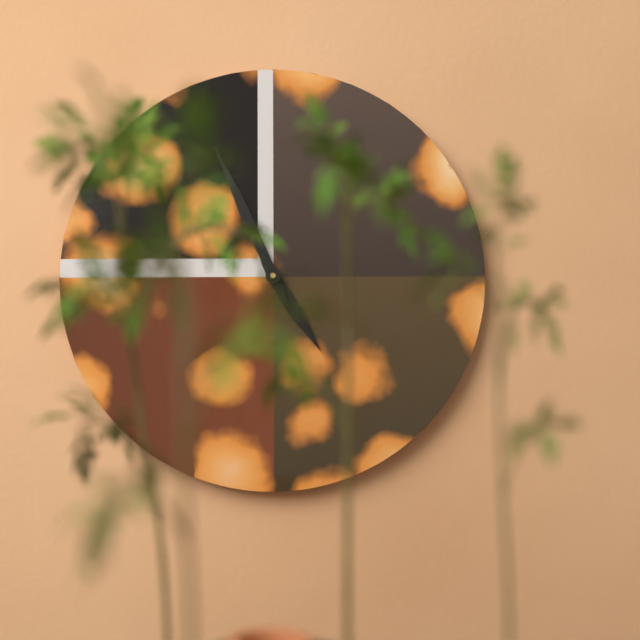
4:56
